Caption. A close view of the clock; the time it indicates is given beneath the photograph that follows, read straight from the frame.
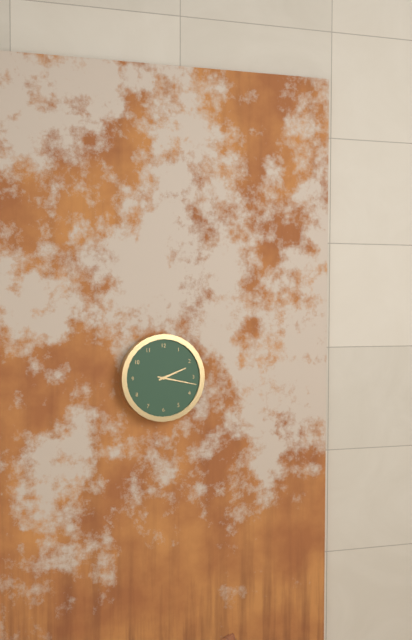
2:17
